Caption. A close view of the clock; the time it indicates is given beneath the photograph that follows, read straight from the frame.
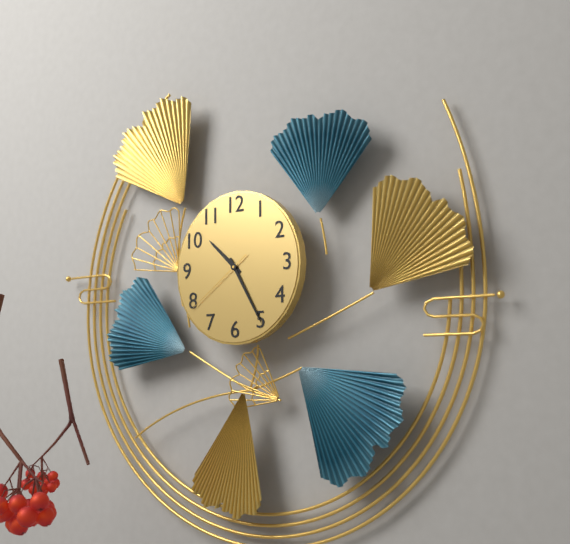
10:25:39
